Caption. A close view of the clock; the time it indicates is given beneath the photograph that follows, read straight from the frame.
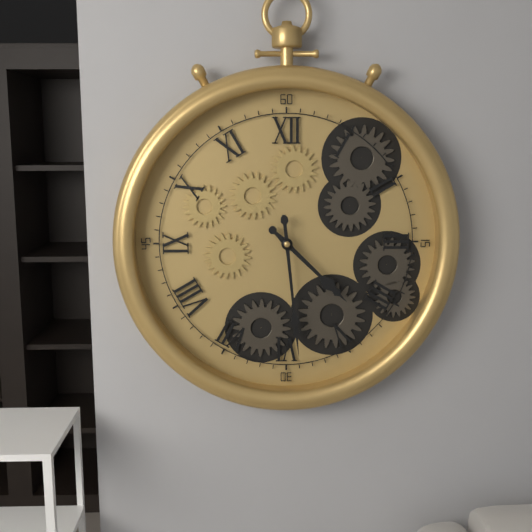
4:29
